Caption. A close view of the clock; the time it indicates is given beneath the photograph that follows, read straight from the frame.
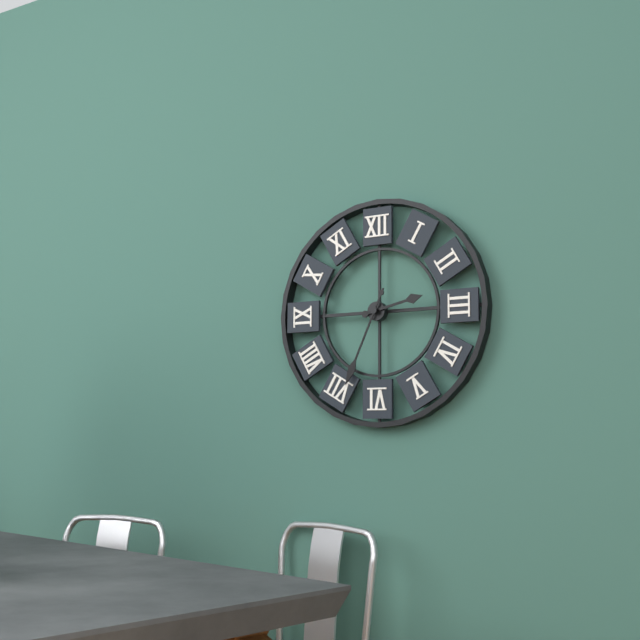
2:34
